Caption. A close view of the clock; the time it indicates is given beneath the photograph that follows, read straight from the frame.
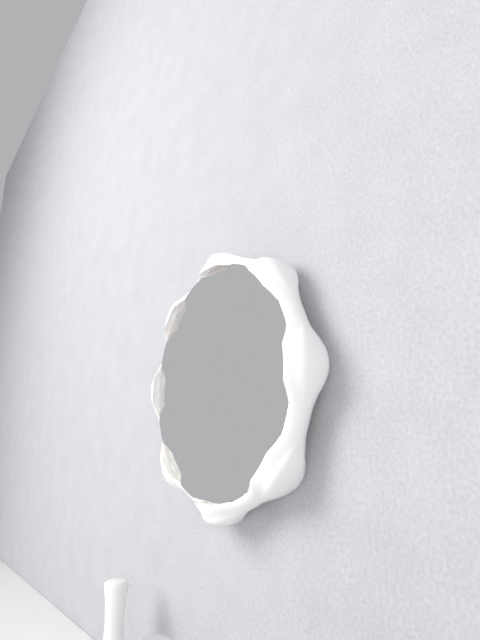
2:57:23
